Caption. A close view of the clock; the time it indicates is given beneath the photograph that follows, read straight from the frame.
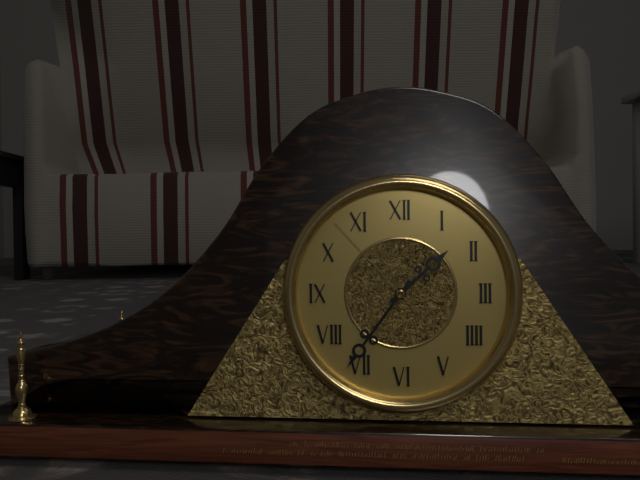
1:36:53
